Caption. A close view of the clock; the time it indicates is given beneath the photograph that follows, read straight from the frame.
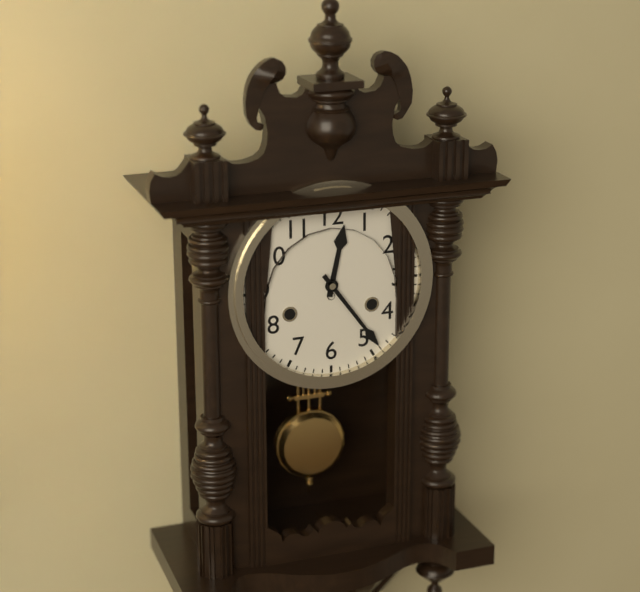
12:24
